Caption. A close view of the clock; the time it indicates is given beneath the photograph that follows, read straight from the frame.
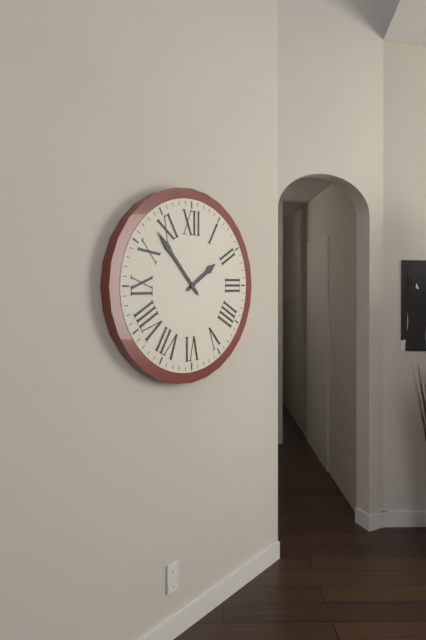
1:53
